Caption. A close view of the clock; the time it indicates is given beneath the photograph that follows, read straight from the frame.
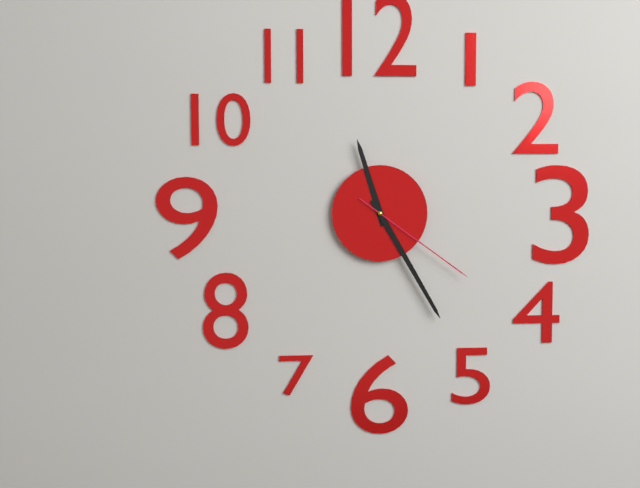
11:25:21
